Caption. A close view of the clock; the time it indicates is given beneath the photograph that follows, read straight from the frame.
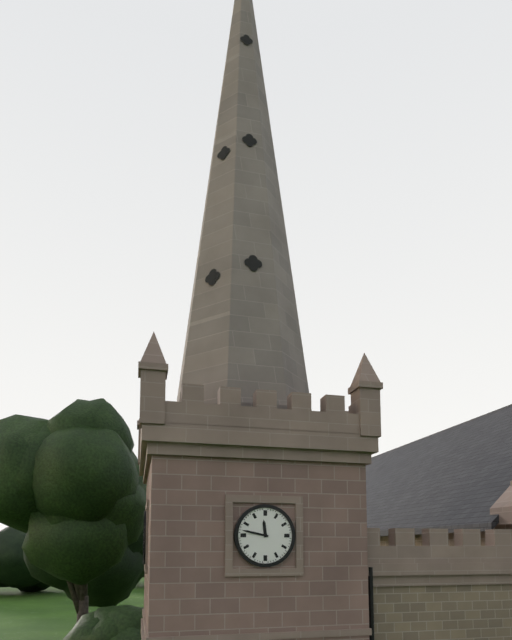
11:47
